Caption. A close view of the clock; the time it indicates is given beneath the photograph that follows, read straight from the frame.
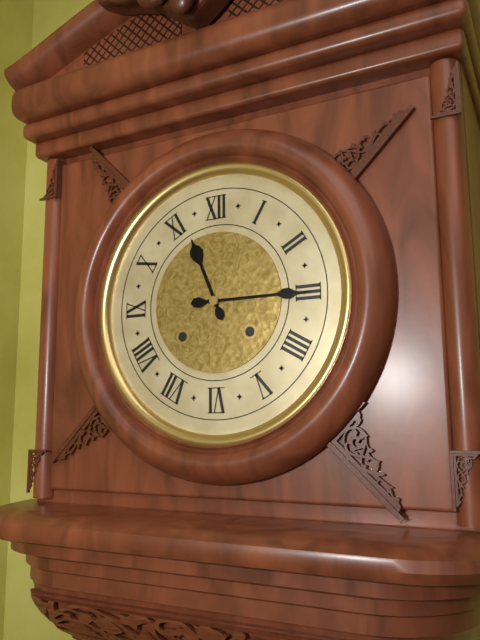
11:15
